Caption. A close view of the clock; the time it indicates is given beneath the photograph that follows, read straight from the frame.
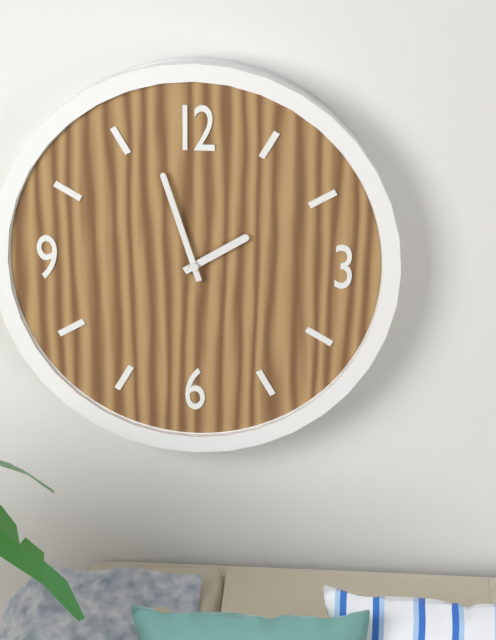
1:57
